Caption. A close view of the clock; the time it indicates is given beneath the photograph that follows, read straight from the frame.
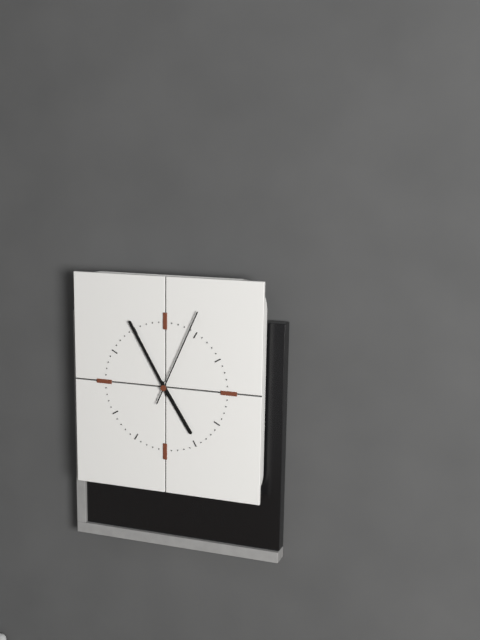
4:55:04
